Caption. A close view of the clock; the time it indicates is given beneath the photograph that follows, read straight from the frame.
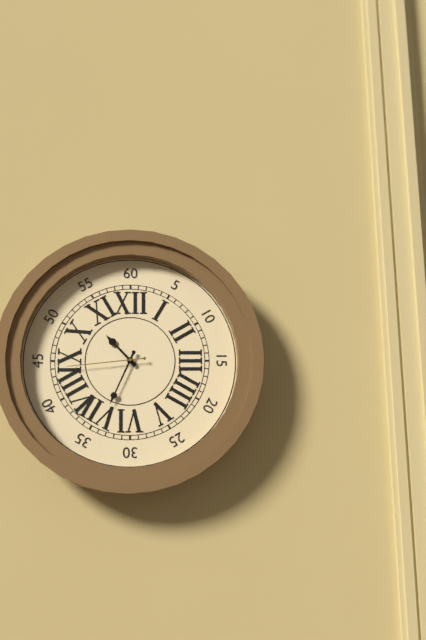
10:34:44
